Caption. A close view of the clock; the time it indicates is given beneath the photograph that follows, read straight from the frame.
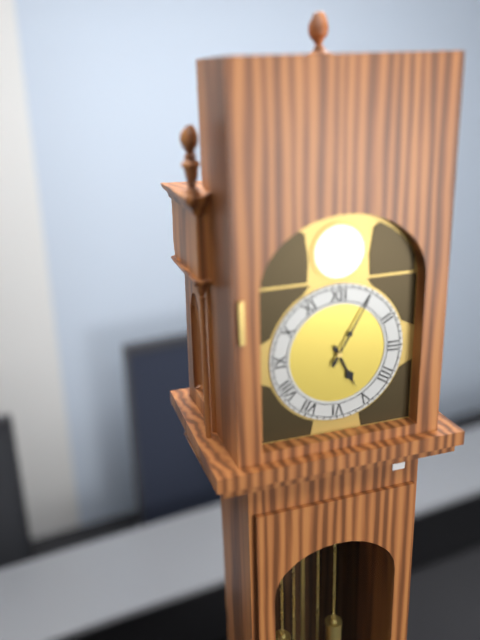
5:05
